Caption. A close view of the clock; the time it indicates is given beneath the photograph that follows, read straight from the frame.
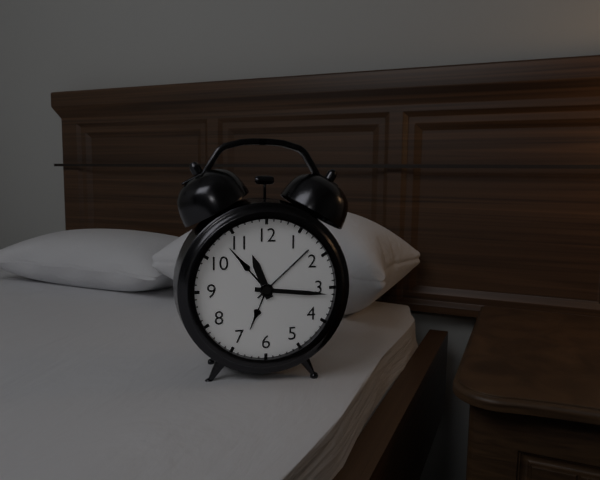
11:16
